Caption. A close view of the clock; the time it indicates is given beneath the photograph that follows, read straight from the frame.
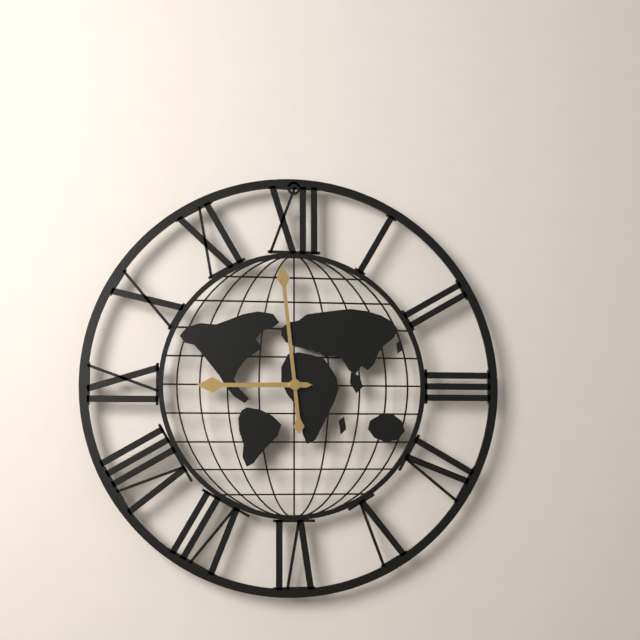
8:59
